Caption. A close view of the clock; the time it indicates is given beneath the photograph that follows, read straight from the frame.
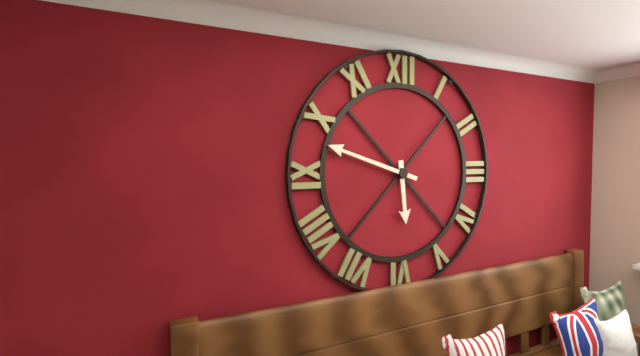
5:48
